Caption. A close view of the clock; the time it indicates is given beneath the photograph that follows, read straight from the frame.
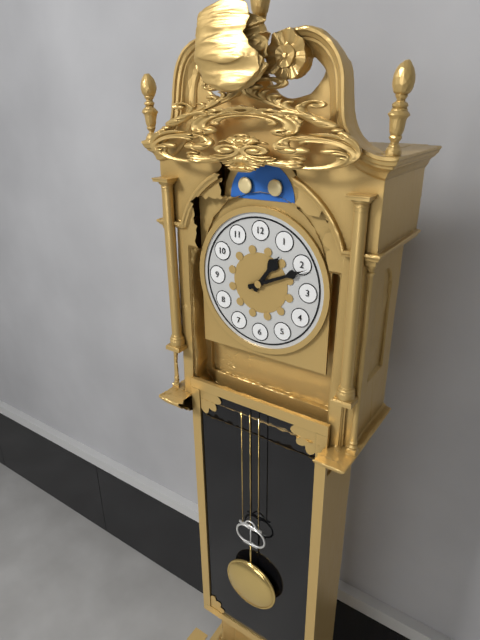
1:11
